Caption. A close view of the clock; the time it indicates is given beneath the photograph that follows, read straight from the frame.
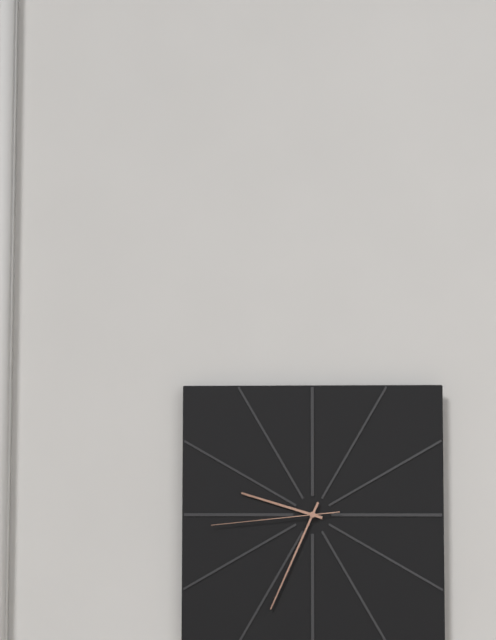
9:34:44
